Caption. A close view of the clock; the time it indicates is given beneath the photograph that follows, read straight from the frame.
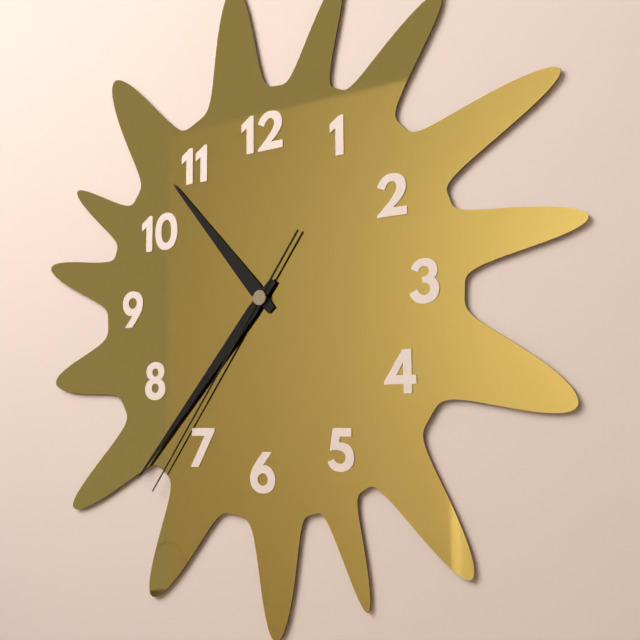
10:37:36
